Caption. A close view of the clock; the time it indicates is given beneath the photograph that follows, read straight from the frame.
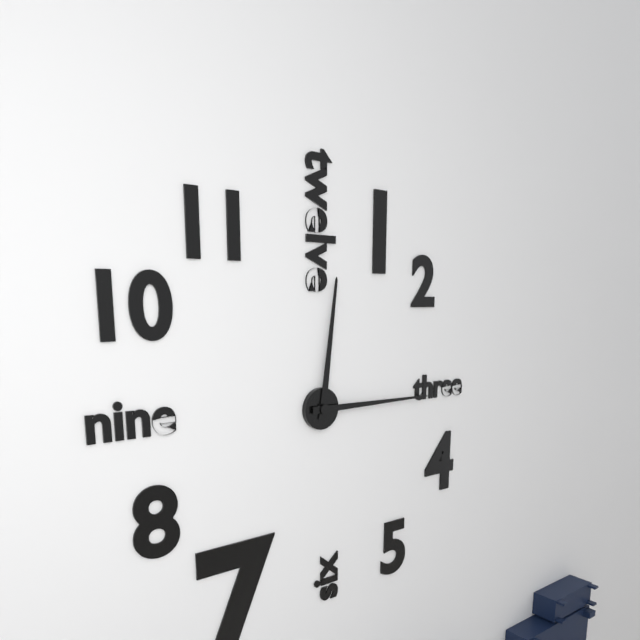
12:15
